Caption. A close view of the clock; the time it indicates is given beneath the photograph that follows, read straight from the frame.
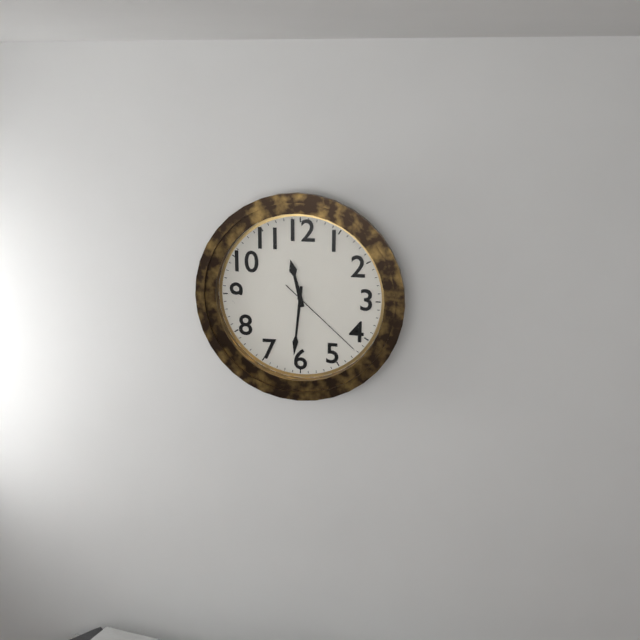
11:31:22
